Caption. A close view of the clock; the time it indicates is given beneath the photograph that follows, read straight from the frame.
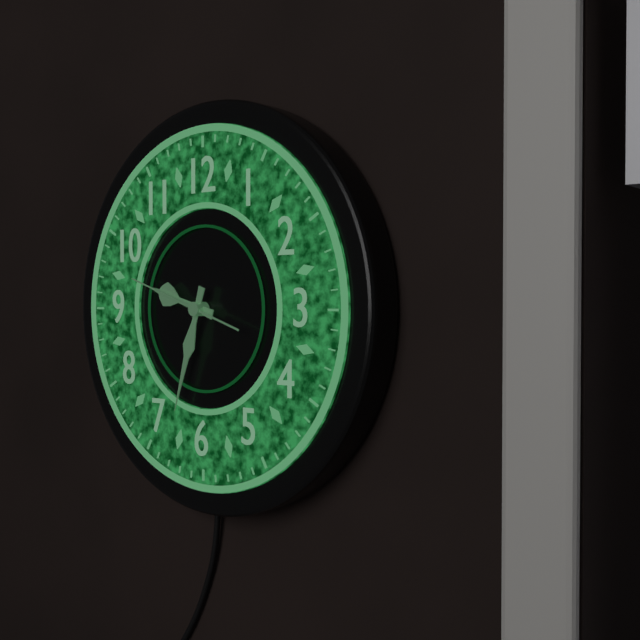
9:33:48
